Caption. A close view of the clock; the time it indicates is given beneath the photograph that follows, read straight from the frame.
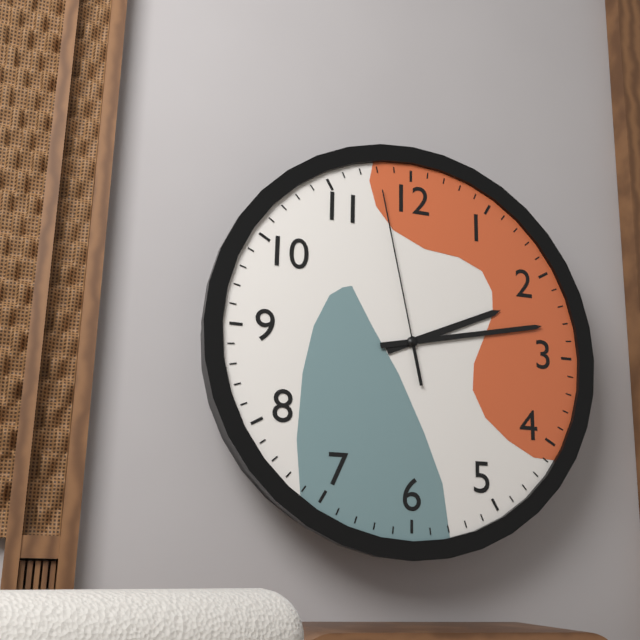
2:13:58
